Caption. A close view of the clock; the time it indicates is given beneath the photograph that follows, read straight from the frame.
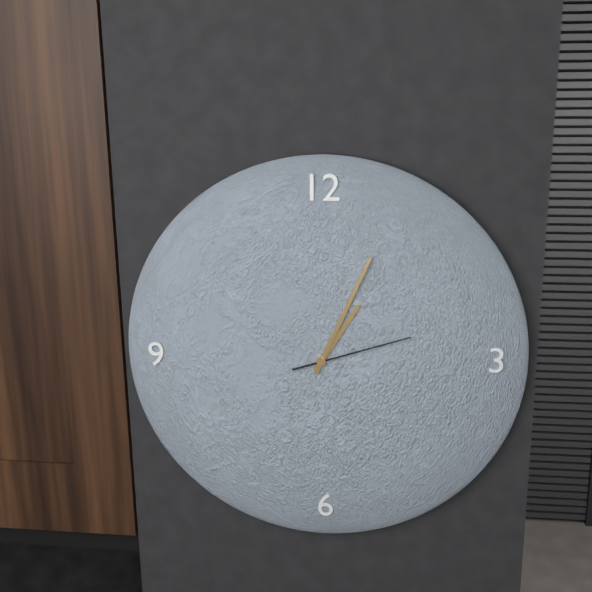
1:04:12
